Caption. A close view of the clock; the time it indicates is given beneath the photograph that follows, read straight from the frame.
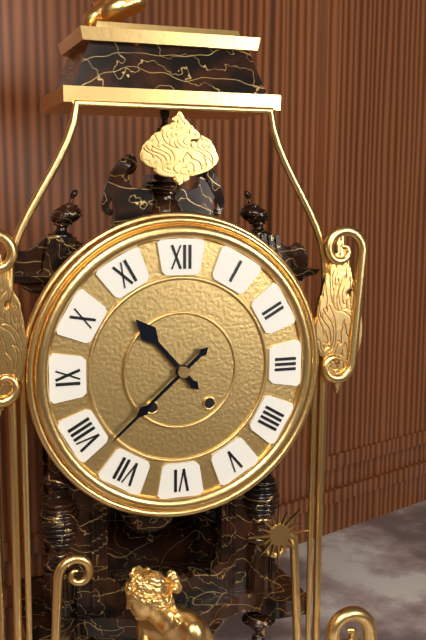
10:38
